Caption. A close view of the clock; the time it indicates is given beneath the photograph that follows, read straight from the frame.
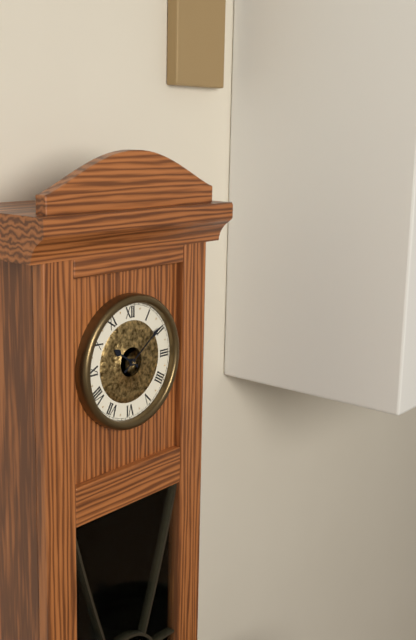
10:09
